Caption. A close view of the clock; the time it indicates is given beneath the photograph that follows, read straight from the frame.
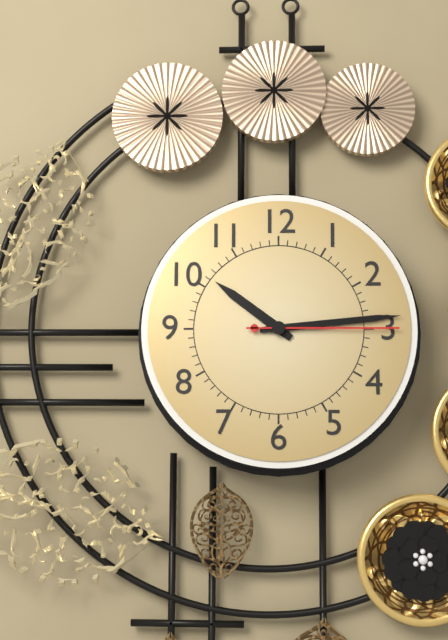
10:14:15
